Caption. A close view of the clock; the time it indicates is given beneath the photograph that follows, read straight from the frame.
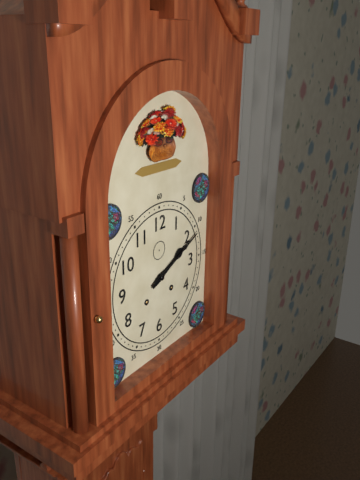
2:11
